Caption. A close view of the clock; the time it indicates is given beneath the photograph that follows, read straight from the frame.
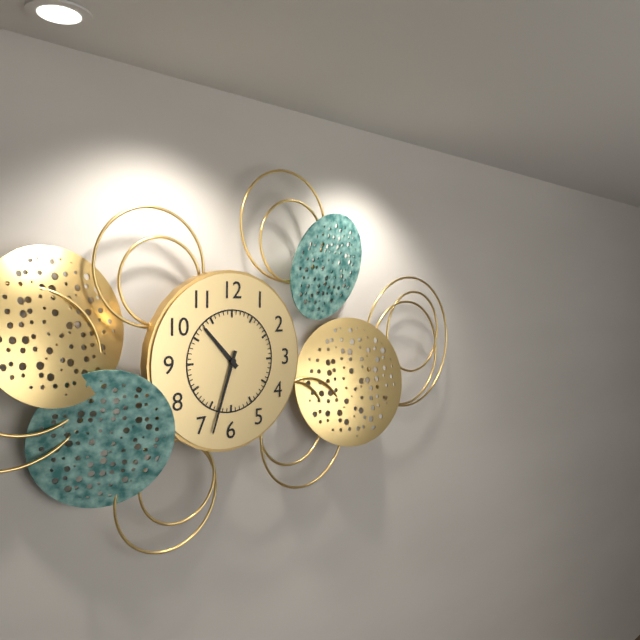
10:33
